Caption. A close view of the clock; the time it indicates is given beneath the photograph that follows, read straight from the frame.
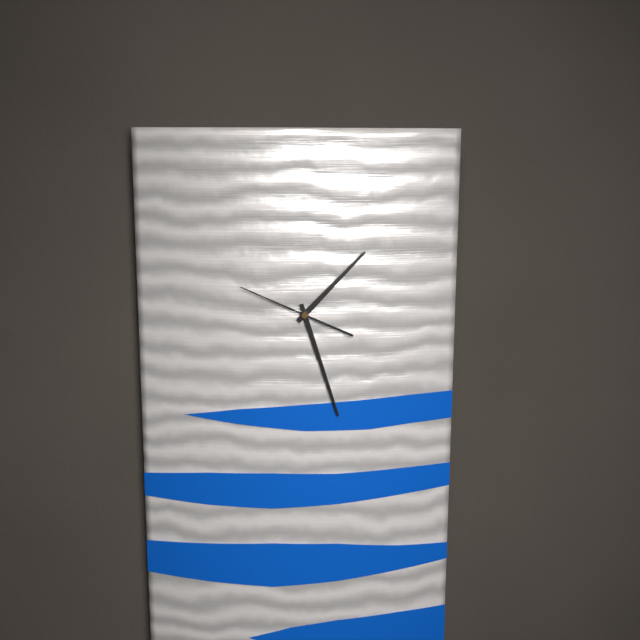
1:27:49
